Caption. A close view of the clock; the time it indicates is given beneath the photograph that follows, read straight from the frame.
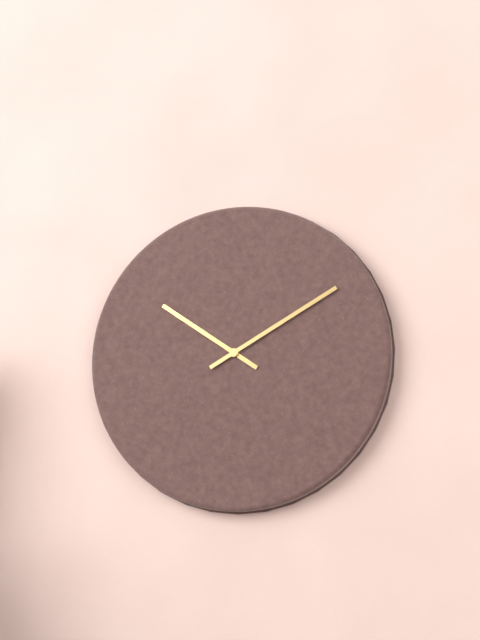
10:10
